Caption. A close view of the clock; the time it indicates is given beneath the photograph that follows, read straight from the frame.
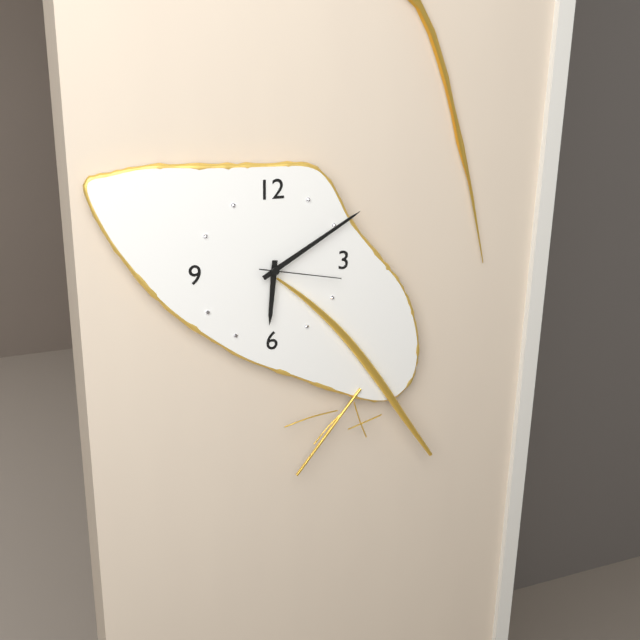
6:10:17
